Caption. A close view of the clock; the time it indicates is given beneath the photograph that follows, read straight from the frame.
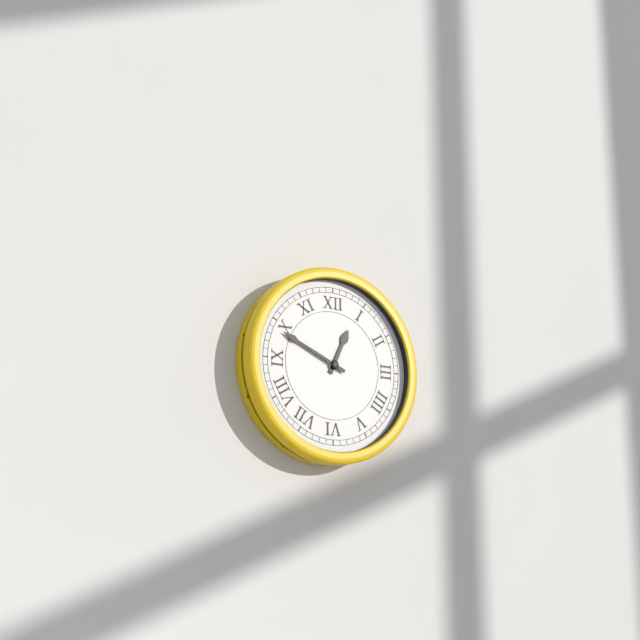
12:49
